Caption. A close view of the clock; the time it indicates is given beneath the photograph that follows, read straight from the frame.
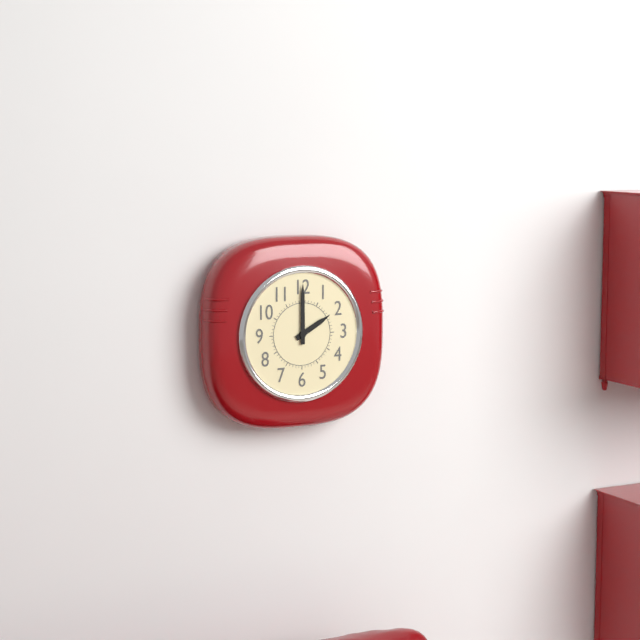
2:00
